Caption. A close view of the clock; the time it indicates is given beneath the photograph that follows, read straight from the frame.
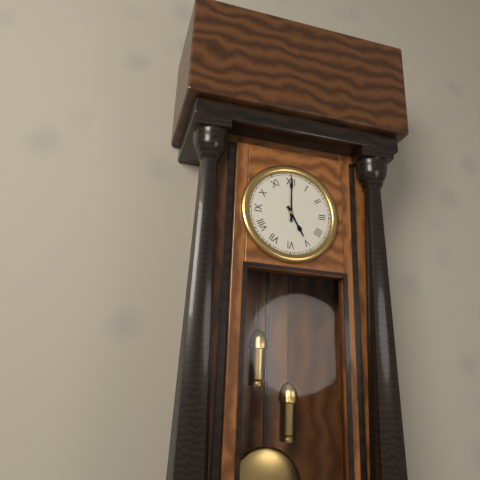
5:00
